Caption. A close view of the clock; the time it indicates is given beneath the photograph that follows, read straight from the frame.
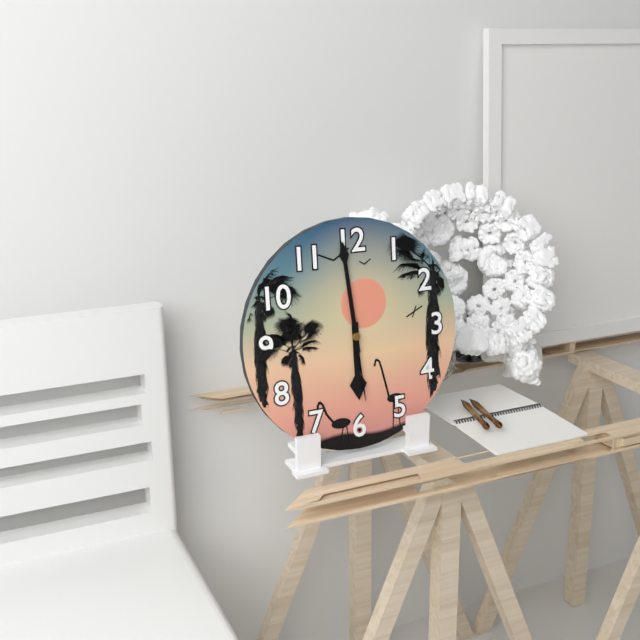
5:59:29
